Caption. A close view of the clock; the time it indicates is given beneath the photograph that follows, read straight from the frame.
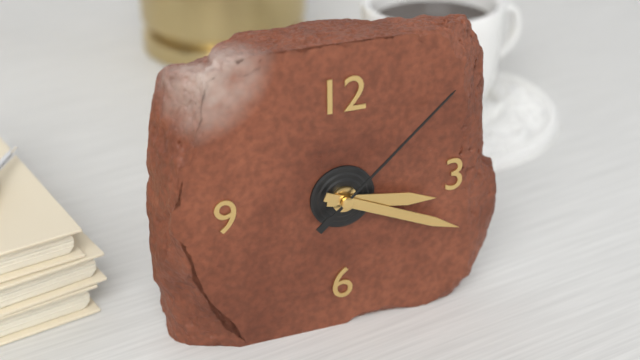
3:19:08
